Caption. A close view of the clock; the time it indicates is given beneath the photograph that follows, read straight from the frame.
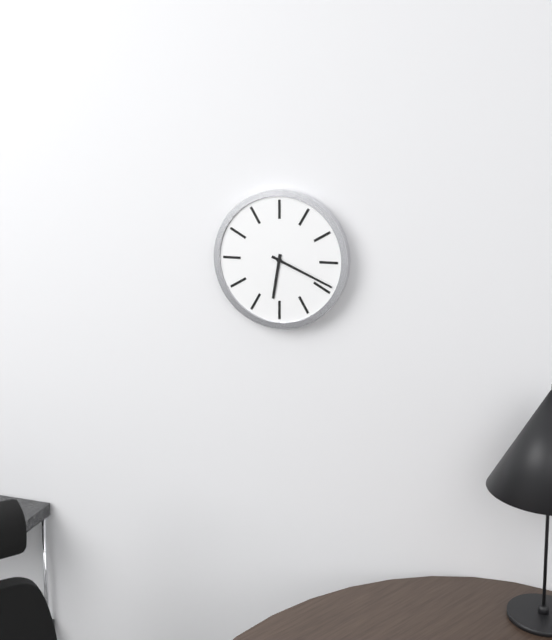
6:19
